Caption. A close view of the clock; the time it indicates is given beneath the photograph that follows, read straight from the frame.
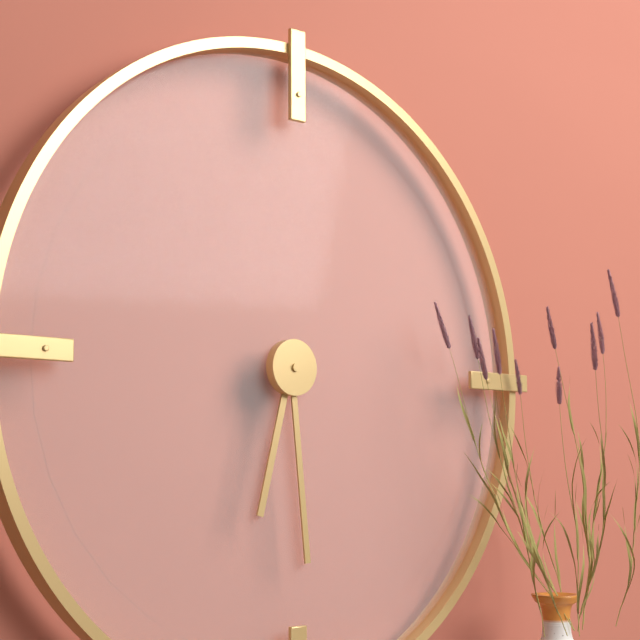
6:29
